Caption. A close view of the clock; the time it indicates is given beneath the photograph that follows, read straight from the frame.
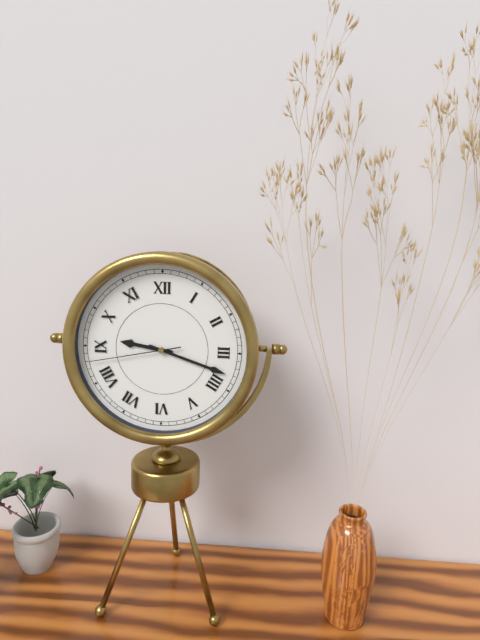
9:18:43
